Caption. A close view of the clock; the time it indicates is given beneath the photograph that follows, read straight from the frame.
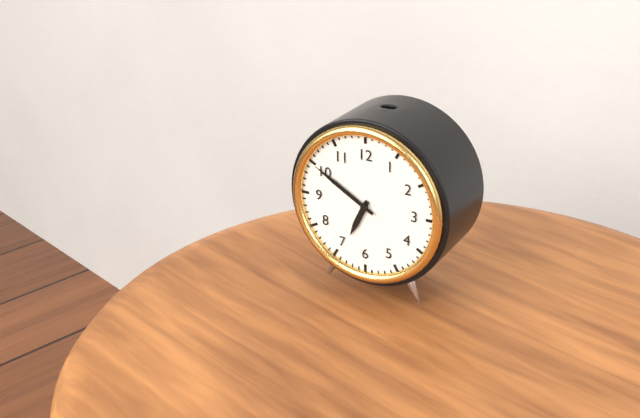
6:50
